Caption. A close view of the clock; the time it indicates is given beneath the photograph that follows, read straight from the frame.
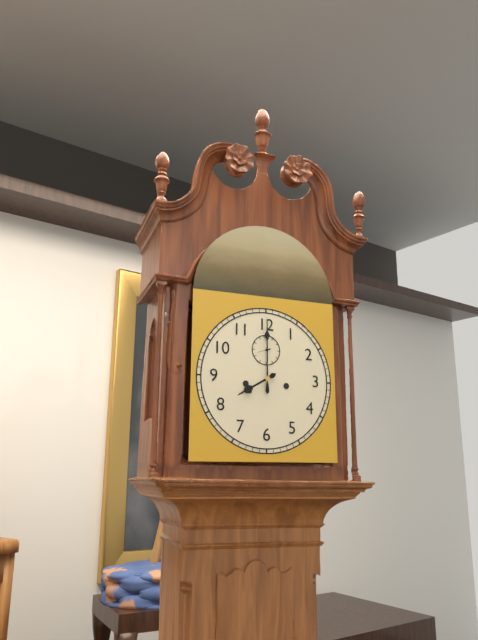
8:00
